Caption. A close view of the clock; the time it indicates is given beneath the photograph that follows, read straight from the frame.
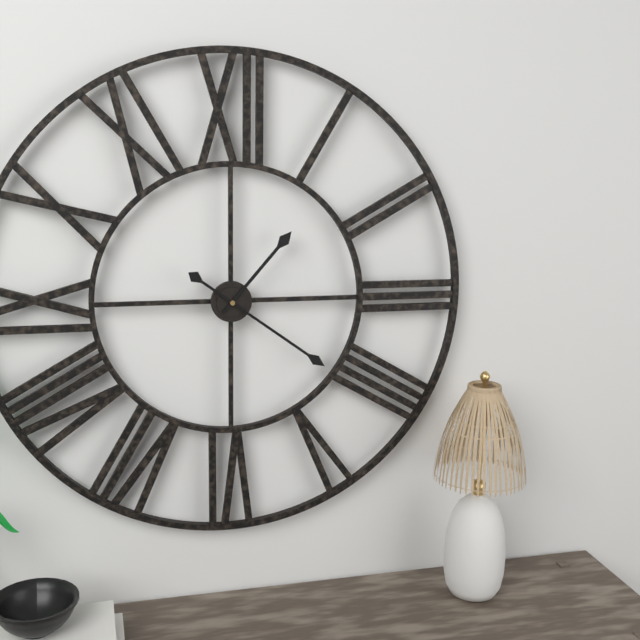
1:21
